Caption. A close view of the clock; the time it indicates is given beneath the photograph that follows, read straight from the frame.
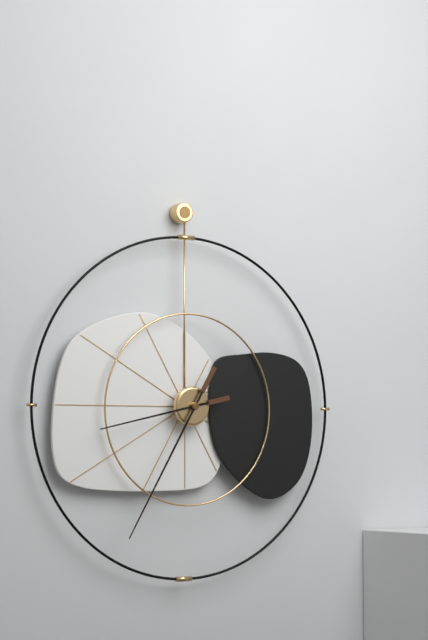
8:35
